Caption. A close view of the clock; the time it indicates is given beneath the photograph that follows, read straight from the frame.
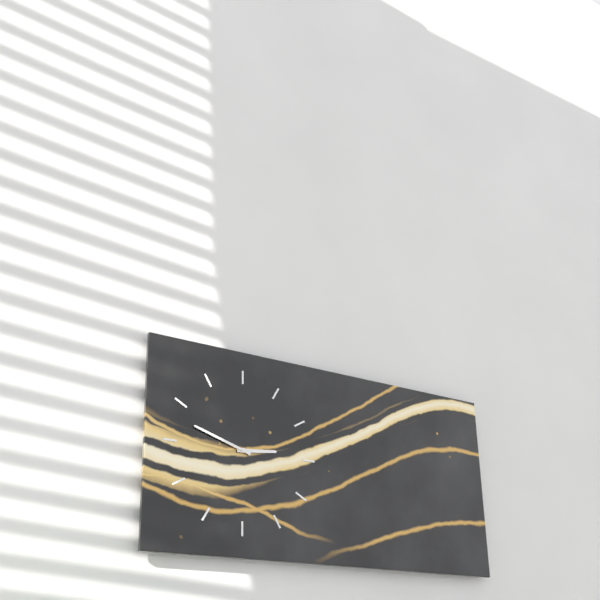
2:48
